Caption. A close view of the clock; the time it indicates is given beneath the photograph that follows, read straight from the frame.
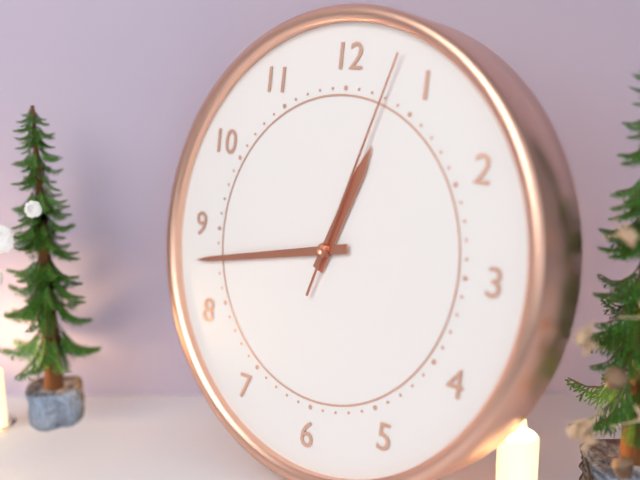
12:43:03
